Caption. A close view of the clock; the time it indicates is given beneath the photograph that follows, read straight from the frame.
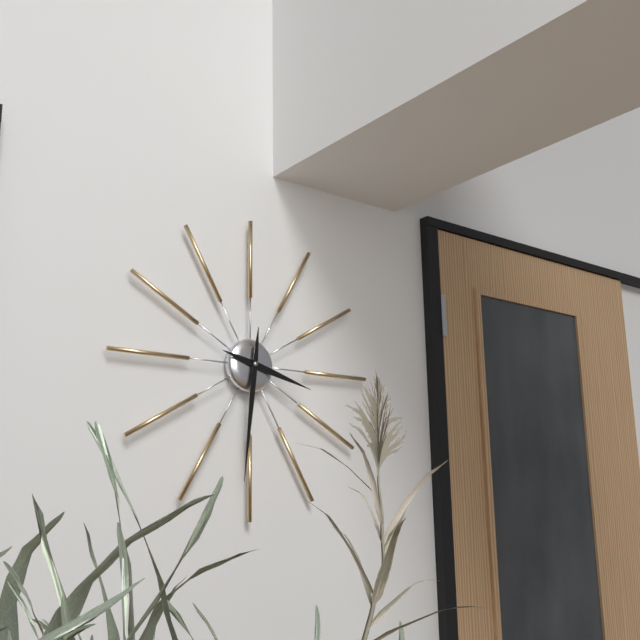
3:31
